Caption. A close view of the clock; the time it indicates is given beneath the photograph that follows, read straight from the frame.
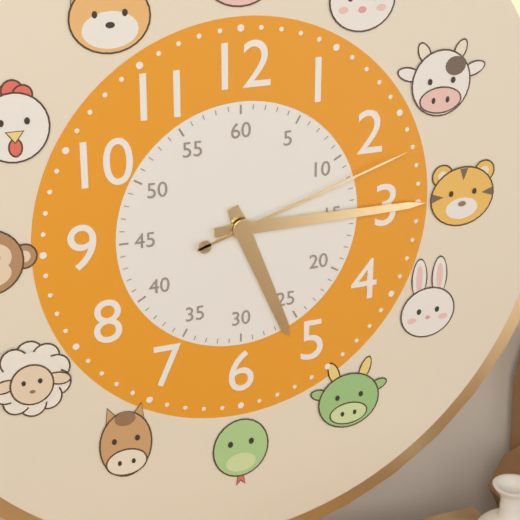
5:15:12
